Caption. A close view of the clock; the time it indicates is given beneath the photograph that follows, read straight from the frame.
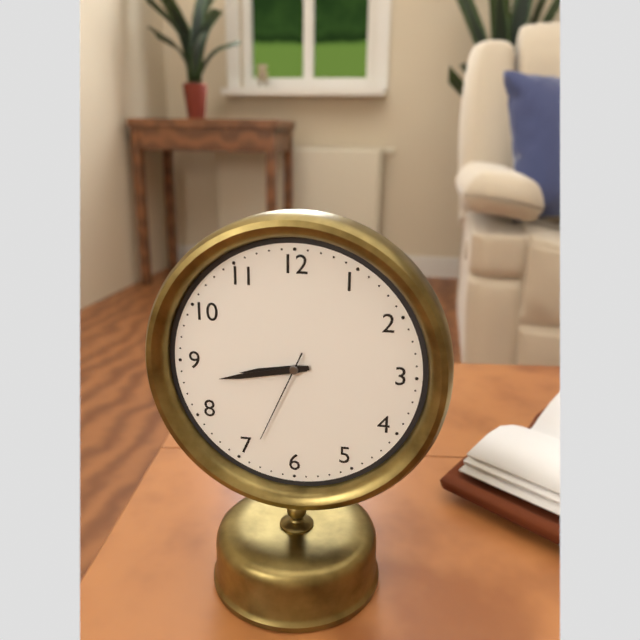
8:43:34
